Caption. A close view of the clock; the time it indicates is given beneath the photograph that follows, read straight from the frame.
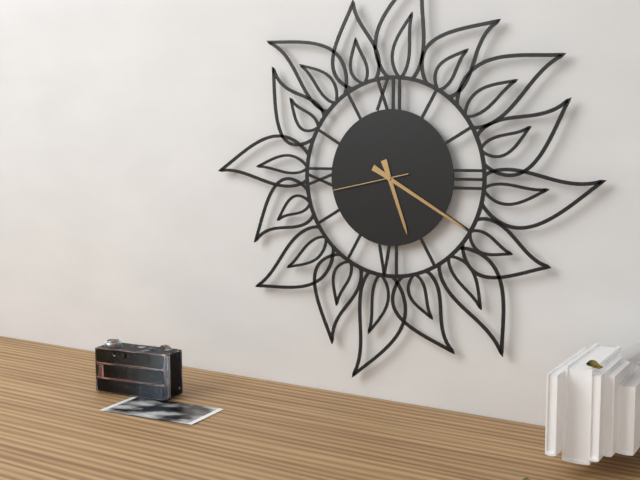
5:20:43
